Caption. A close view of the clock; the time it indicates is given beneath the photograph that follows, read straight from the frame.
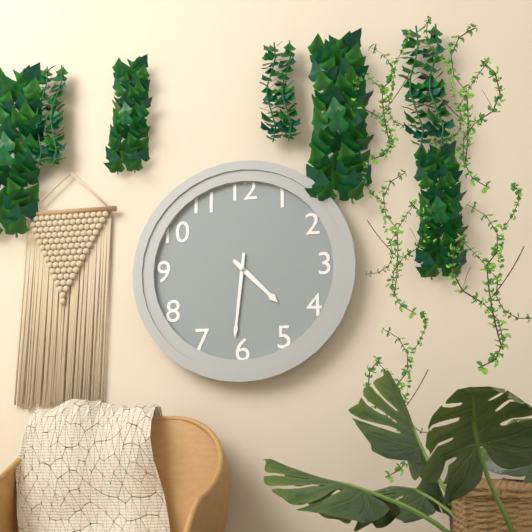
4:31
